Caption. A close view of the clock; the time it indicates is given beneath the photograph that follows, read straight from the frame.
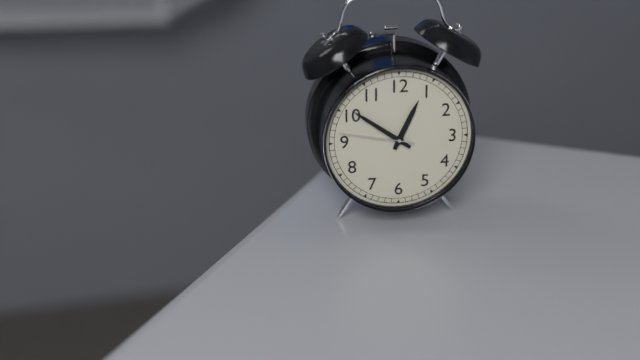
12:51:47
